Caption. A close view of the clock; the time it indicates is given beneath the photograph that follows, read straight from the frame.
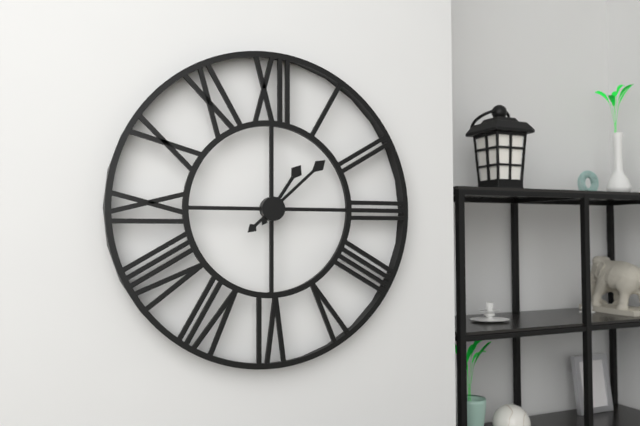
1:08
